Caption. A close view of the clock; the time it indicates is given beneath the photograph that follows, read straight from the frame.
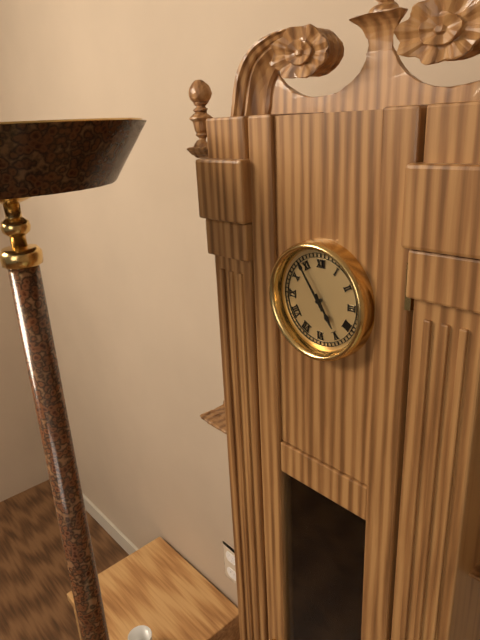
4:54
